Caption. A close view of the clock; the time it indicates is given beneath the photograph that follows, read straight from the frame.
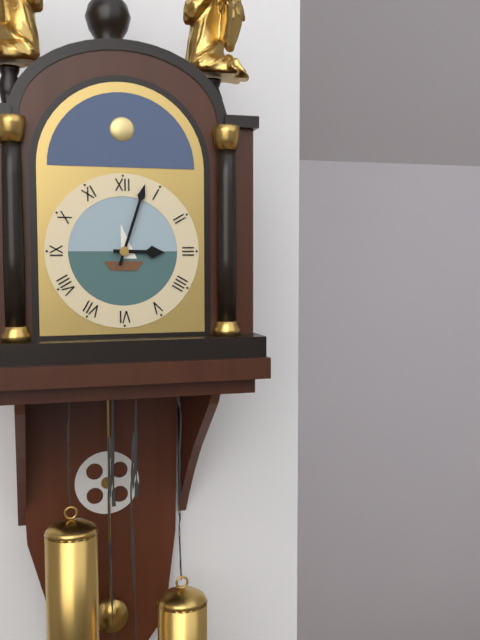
3:03
